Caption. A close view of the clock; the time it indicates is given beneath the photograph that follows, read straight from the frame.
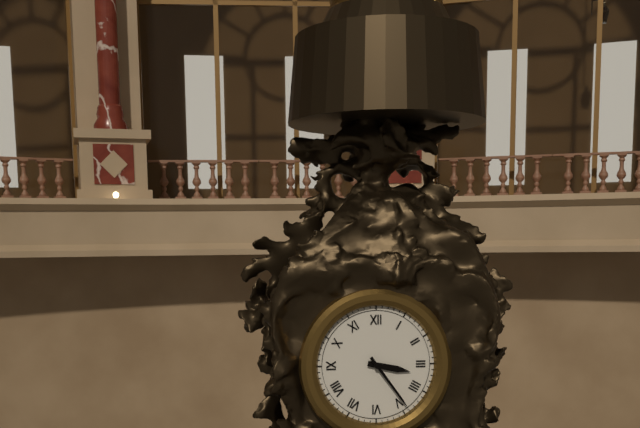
3:24
